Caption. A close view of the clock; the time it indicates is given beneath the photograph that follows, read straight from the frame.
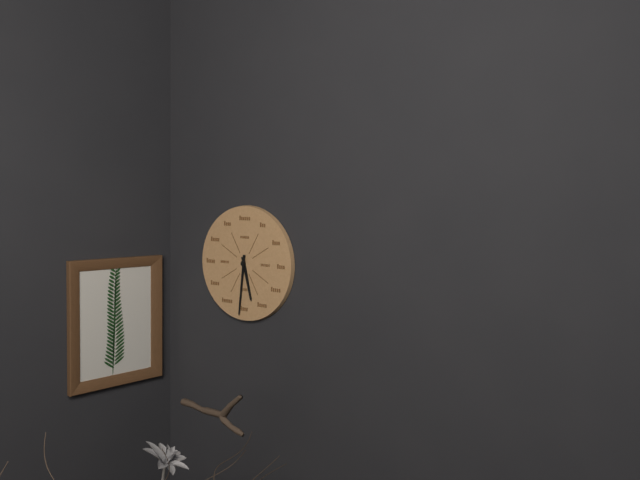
5:31
